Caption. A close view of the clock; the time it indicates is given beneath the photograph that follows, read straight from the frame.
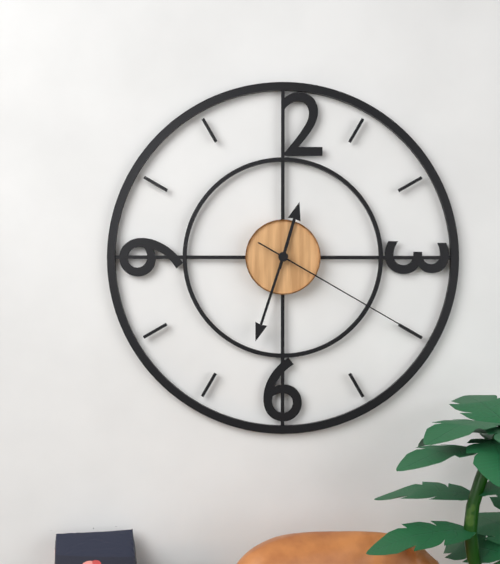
12:33:20
